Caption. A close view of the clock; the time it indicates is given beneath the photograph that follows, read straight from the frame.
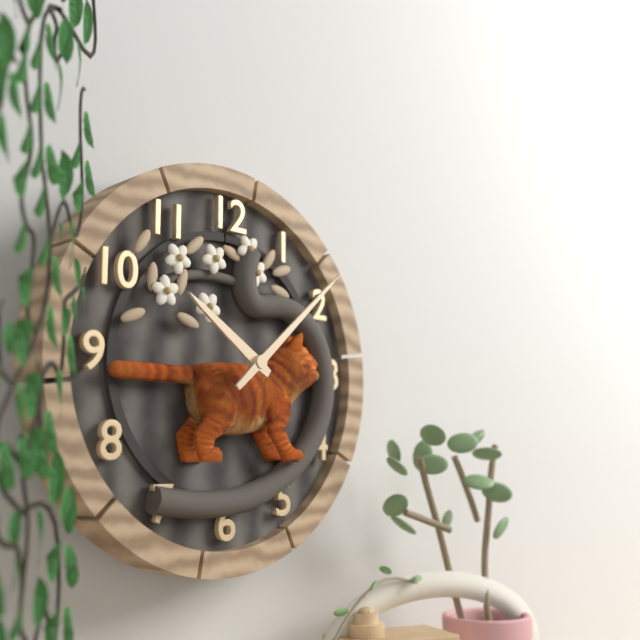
10:08
